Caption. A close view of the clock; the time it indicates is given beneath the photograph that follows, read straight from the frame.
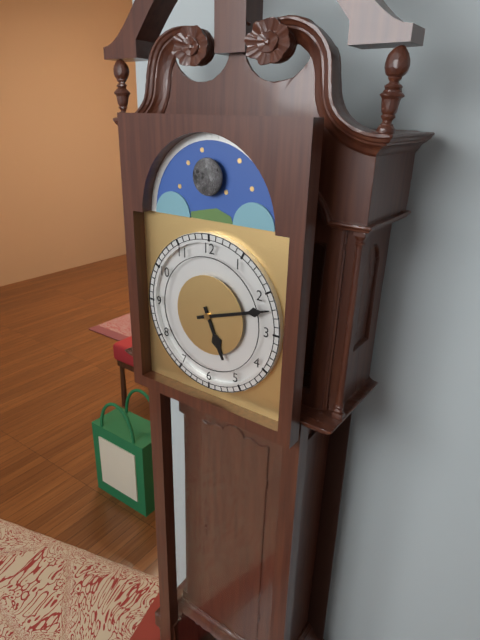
5:12
